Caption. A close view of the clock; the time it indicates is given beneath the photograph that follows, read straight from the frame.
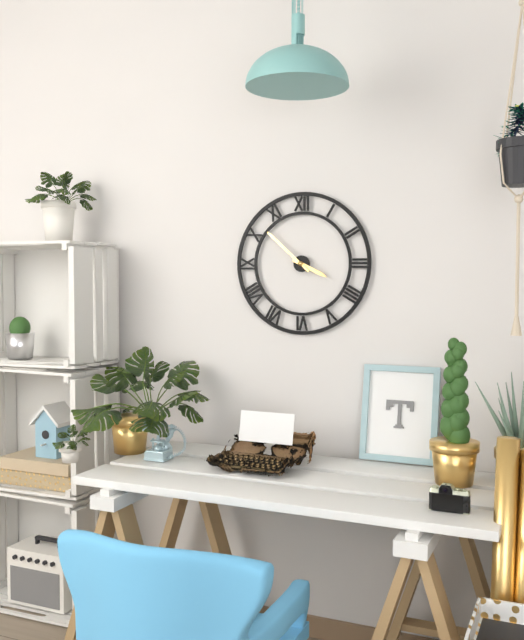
3:52
